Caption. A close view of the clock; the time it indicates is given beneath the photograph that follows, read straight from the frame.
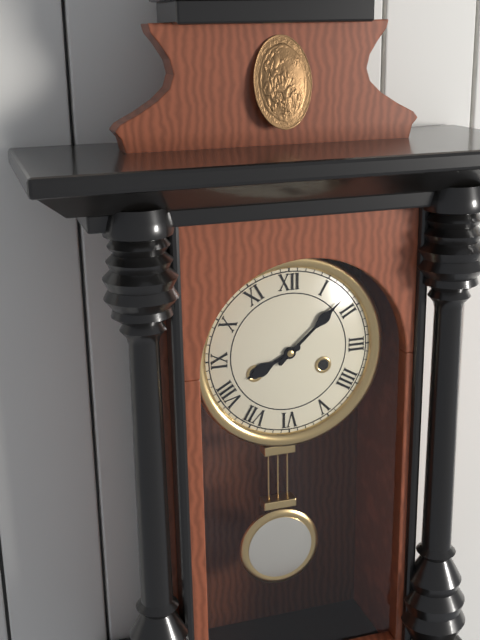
8:08
